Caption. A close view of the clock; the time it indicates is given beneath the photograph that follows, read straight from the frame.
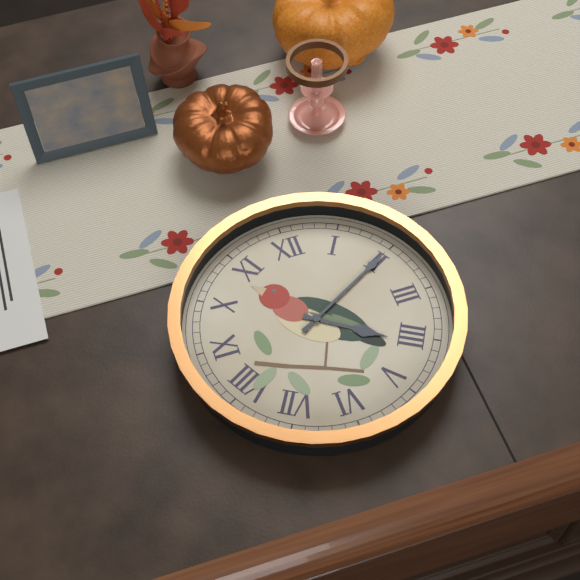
4:10
